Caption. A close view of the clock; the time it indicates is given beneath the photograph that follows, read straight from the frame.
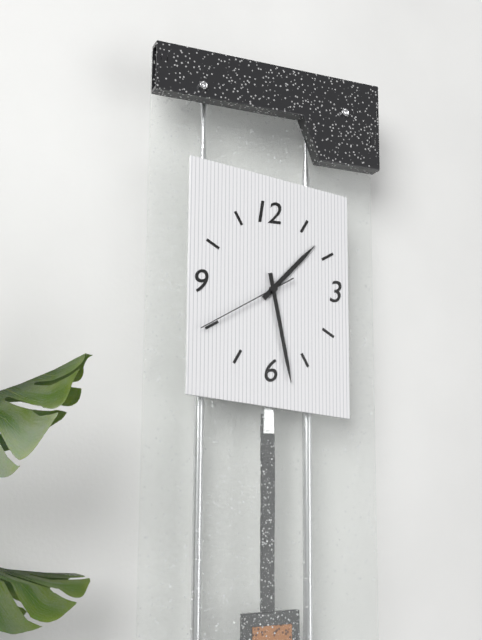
1:28:40
